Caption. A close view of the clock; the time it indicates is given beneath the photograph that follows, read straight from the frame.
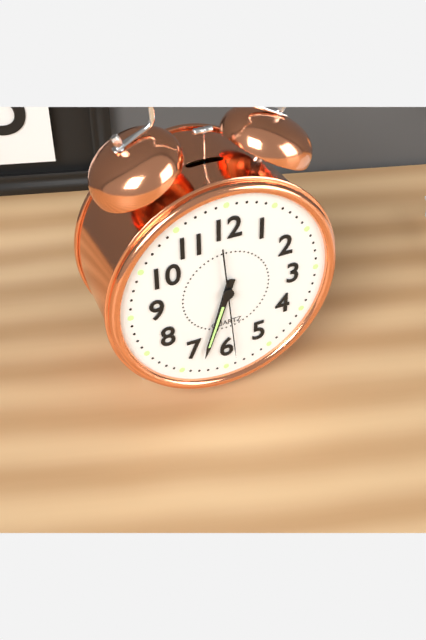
6:33:29
